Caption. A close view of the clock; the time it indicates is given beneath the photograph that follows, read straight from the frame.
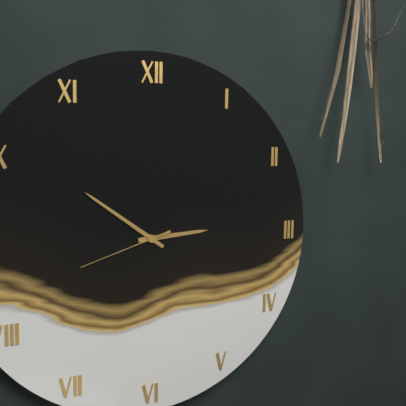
2:51:42
